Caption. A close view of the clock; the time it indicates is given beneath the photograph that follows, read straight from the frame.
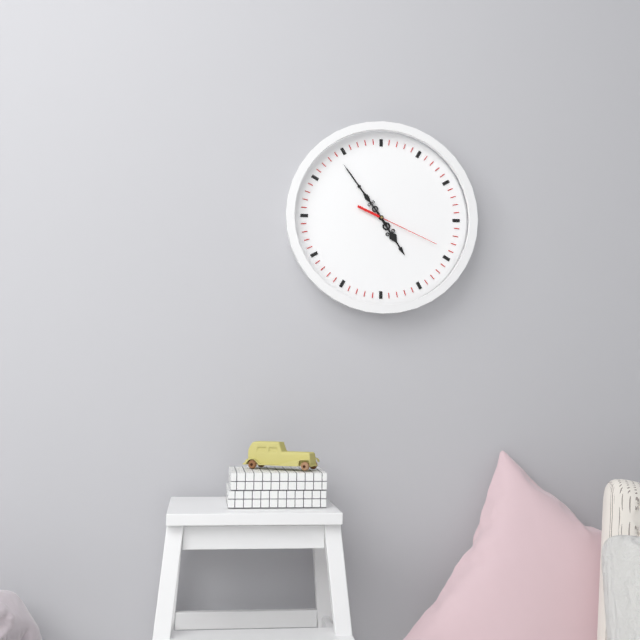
4:54:19
